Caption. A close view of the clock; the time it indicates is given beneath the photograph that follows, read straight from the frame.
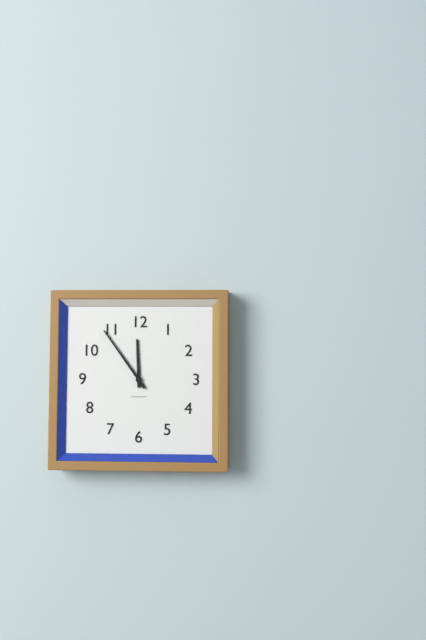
11:54
